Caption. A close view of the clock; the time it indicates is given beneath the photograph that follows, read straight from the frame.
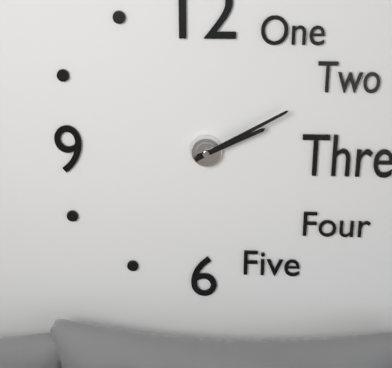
2:10
